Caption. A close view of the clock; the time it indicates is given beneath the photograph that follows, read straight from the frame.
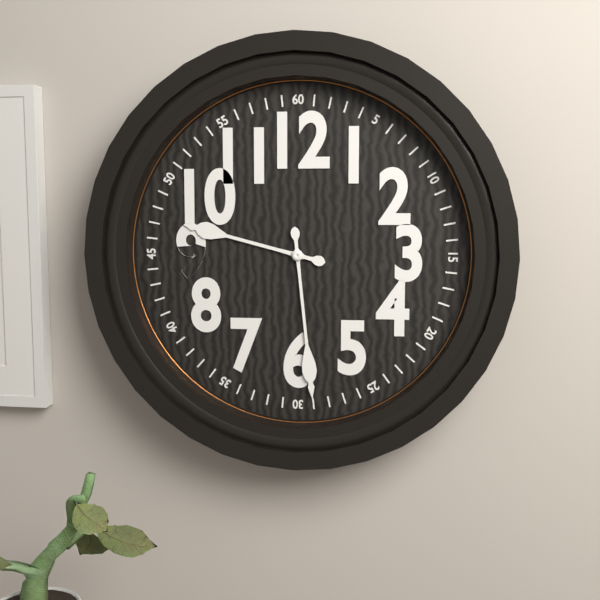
9:29
